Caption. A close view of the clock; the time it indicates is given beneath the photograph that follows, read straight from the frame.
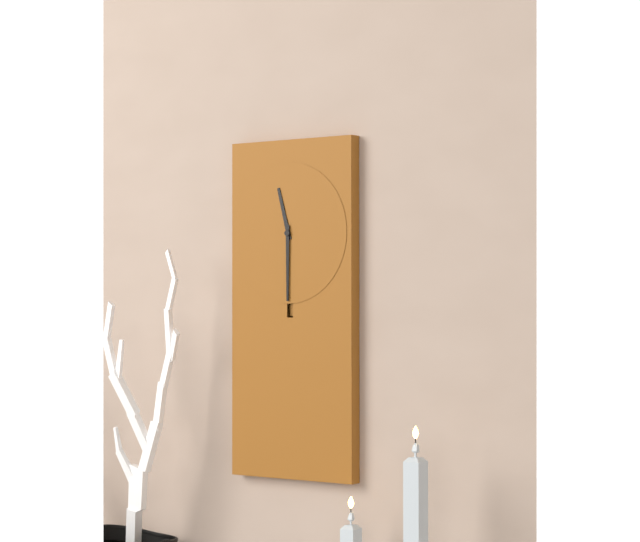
11:30
